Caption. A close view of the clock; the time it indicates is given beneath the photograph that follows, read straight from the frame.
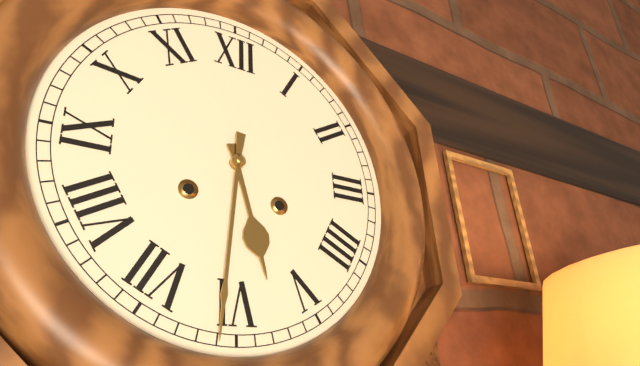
5:31
